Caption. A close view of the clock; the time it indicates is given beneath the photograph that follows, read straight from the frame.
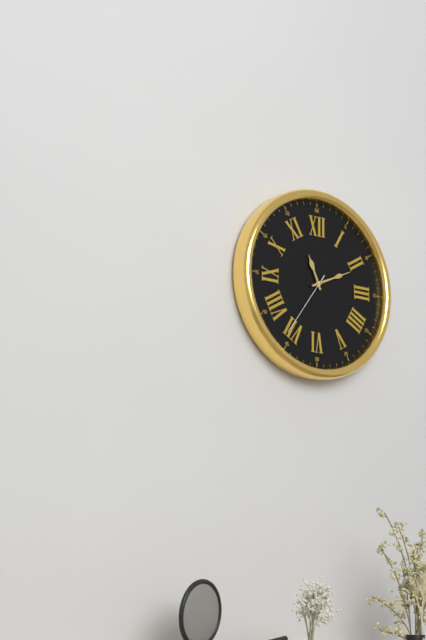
11:11:36
